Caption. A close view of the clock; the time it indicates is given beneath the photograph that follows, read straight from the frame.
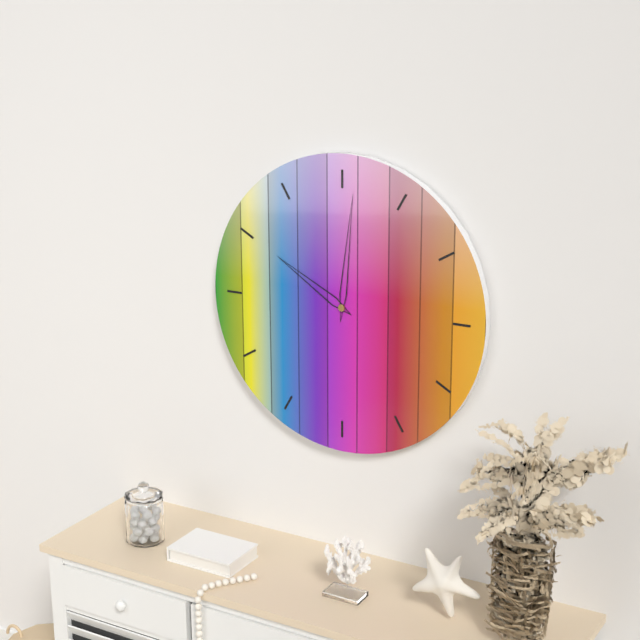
10:01
